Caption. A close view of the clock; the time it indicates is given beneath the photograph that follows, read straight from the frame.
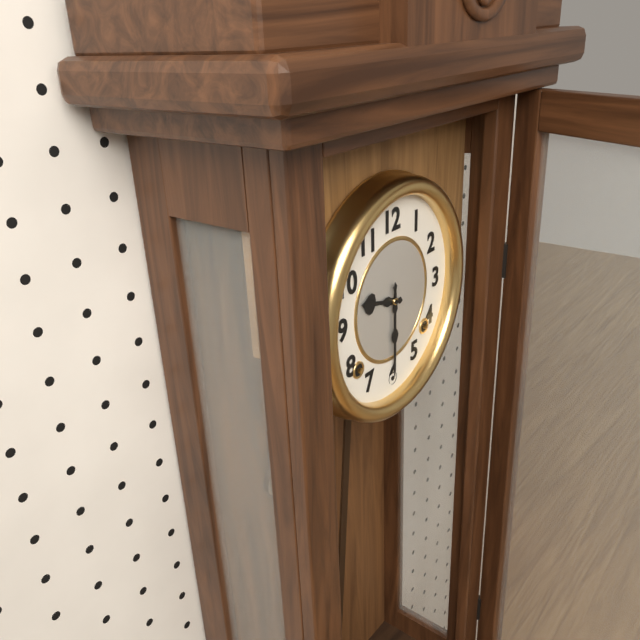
9:30
